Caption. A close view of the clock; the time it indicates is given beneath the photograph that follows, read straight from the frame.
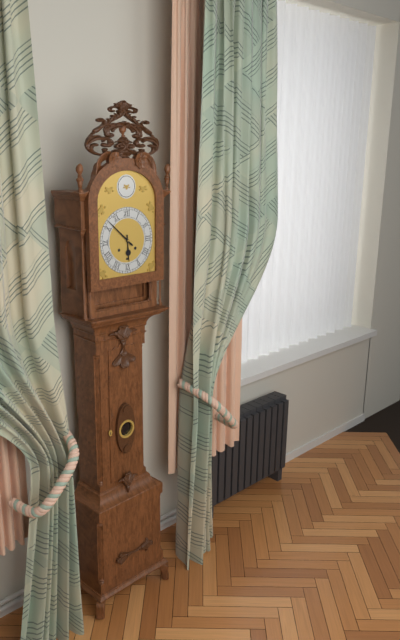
5:52
